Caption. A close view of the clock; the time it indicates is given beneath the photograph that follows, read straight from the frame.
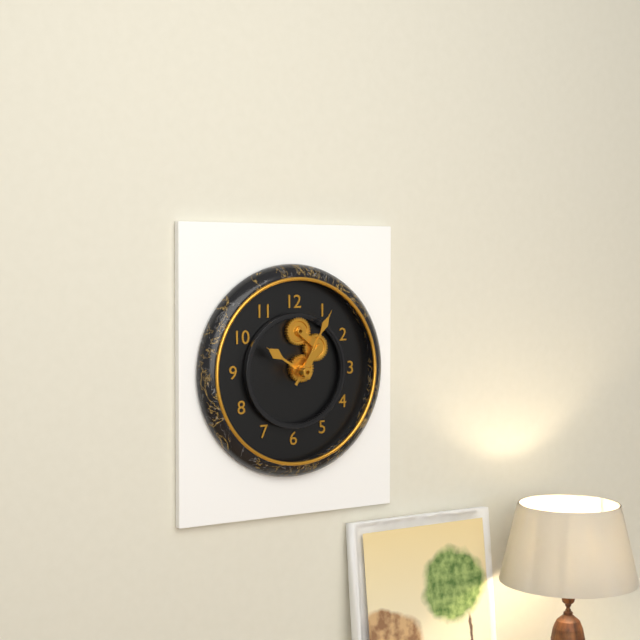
10:05
